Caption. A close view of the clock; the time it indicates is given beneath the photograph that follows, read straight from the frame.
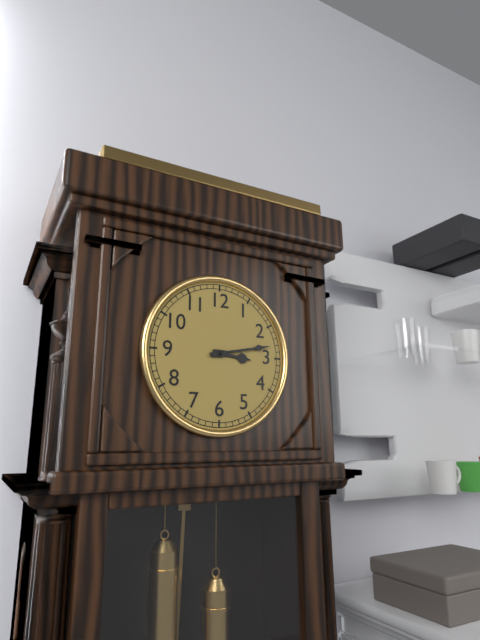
3:13
